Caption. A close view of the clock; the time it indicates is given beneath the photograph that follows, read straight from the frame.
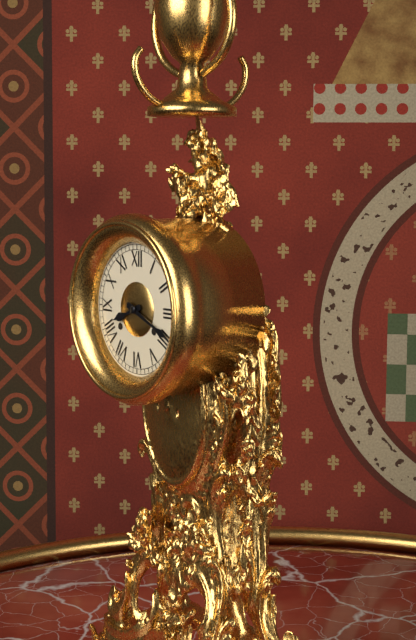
8:19
